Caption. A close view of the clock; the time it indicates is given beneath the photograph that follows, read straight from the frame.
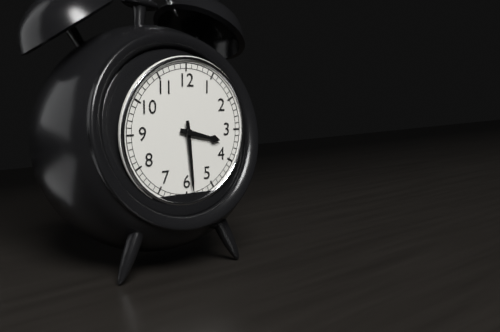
3:29
